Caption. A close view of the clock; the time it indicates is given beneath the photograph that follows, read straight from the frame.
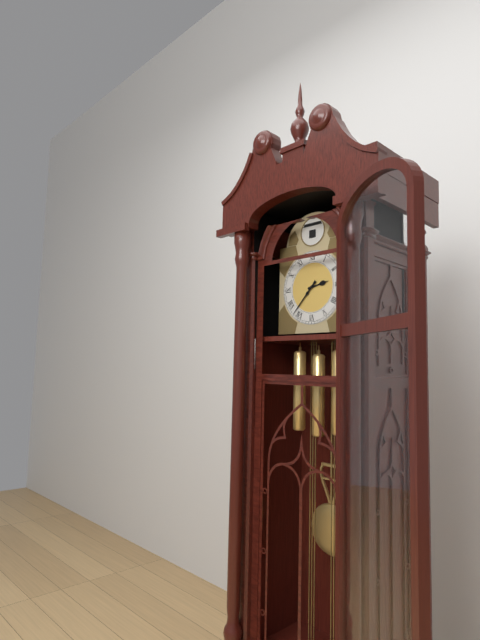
2:37
